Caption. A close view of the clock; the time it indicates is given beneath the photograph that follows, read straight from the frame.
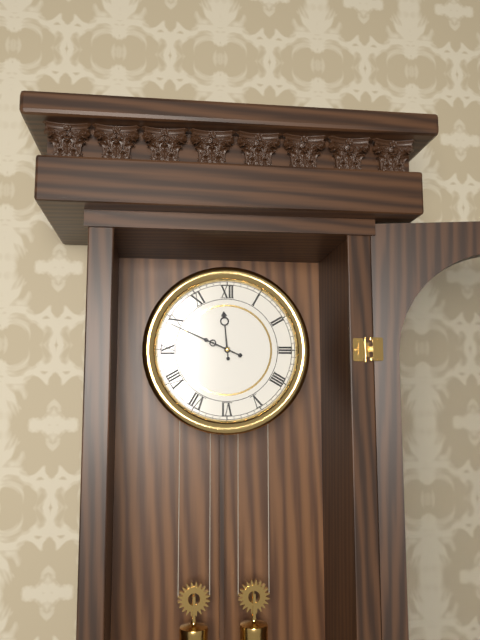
11:49
